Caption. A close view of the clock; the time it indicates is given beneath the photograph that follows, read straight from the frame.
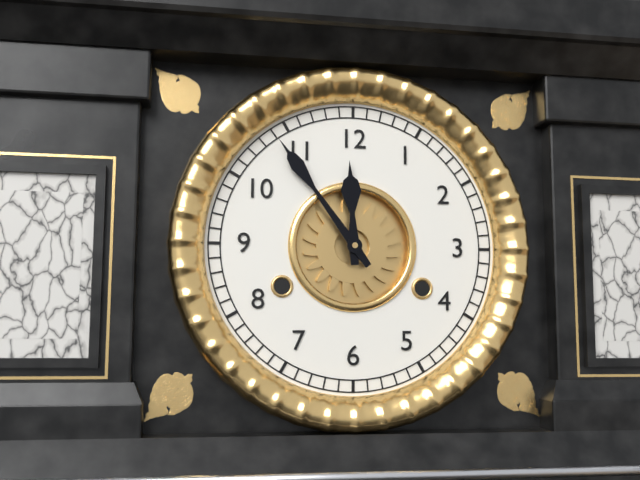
11:54
